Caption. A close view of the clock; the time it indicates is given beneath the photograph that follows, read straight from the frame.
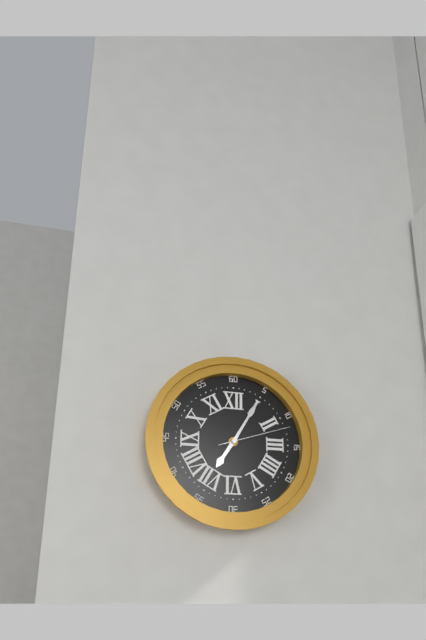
7:05:12
